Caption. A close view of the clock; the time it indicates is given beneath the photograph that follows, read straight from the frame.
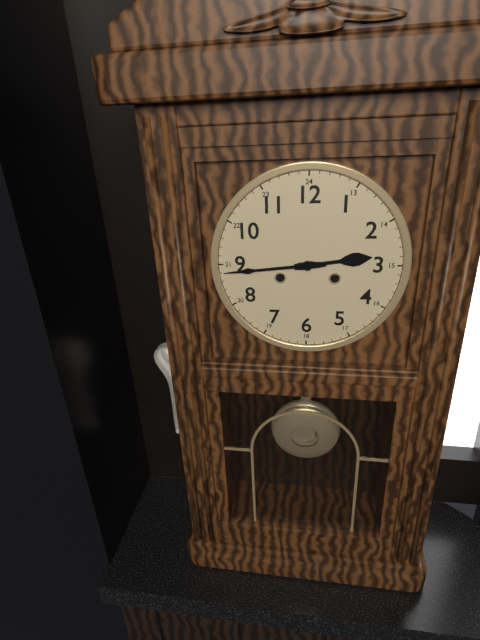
2:44
